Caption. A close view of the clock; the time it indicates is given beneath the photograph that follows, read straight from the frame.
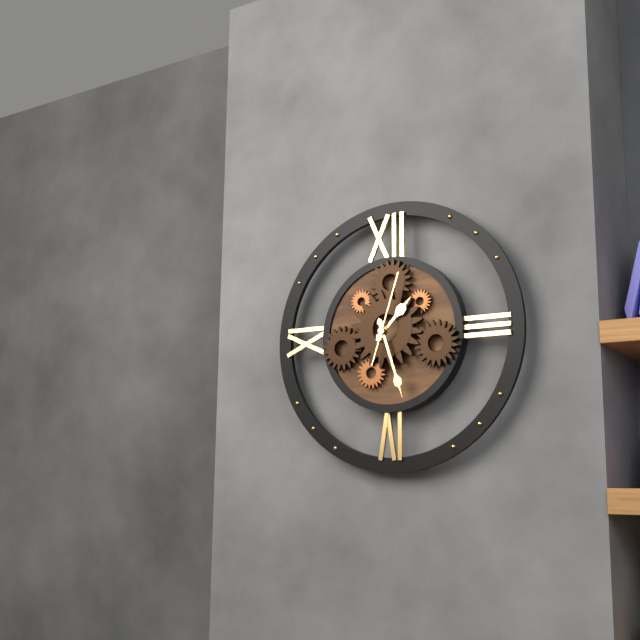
1:27:03
